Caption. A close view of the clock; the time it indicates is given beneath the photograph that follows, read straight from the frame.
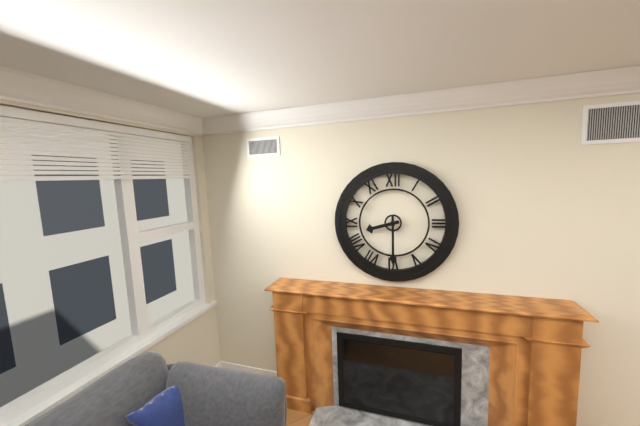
8:30
